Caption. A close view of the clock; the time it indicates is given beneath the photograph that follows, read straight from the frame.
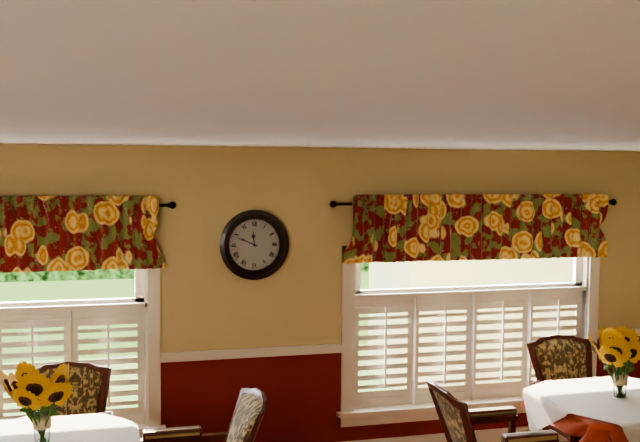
11:49
